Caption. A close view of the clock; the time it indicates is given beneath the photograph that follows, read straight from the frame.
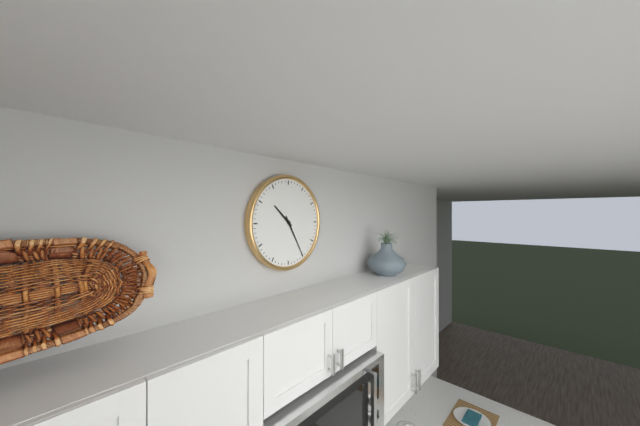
10:25
